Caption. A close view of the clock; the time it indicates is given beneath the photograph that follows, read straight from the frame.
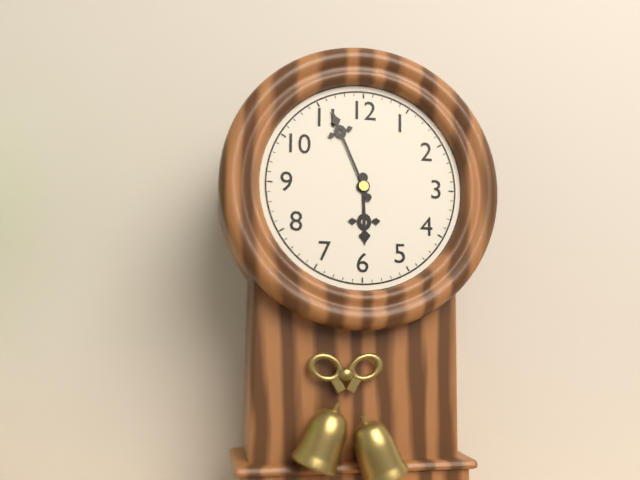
5:56
